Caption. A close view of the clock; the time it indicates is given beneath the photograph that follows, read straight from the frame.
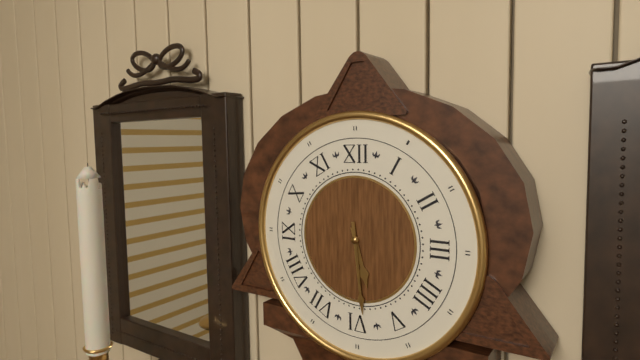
5:29
